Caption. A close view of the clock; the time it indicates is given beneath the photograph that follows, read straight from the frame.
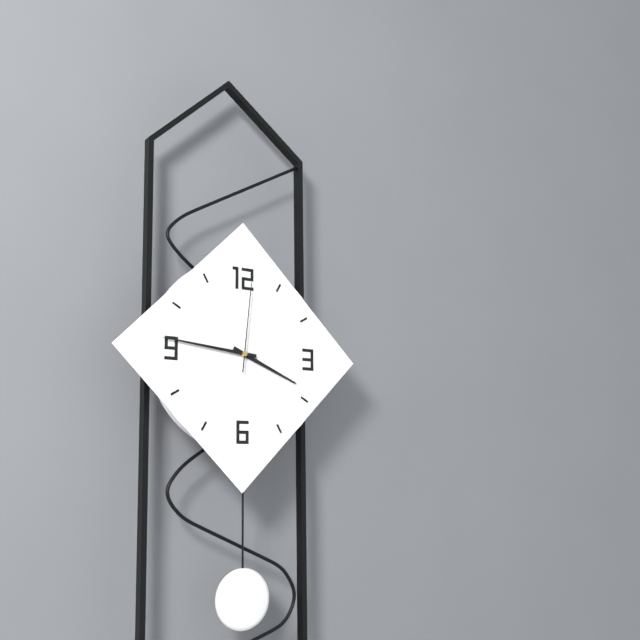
3:46:01
